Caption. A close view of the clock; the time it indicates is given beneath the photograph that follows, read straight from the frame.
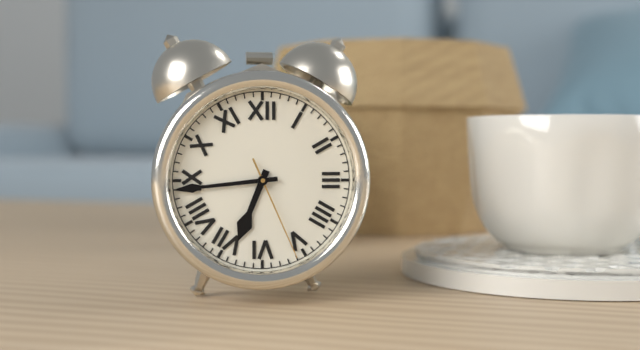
6:44:26
